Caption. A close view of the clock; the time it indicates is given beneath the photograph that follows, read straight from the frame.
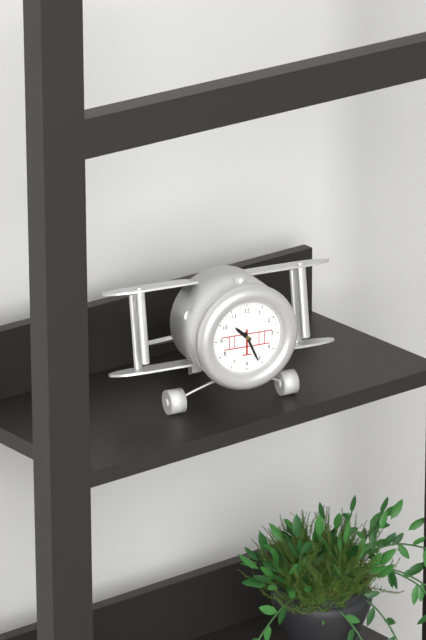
10:26
